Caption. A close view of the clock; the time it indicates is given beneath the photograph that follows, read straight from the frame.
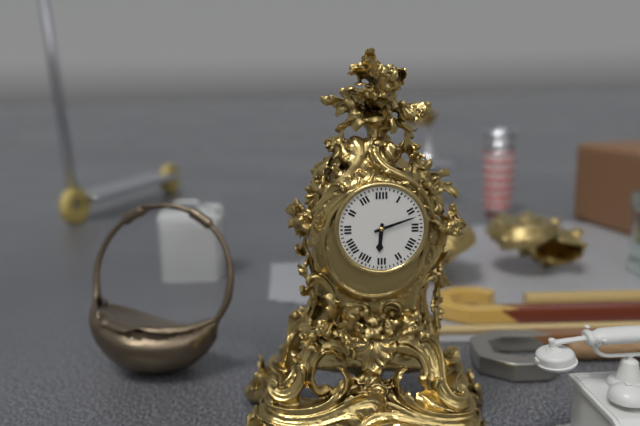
6:12
